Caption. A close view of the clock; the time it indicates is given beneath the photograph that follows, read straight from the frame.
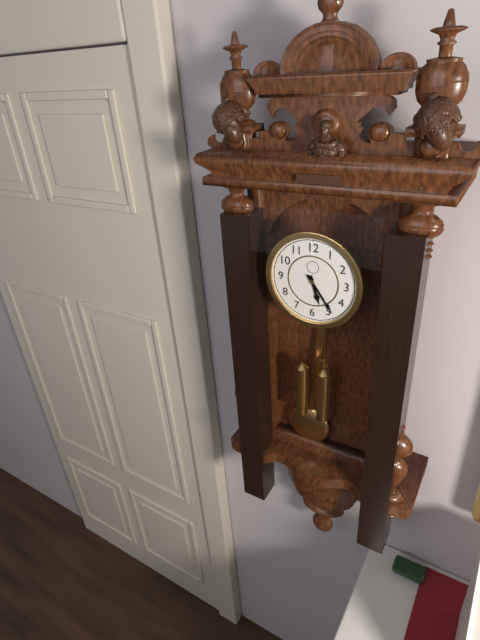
5:24
